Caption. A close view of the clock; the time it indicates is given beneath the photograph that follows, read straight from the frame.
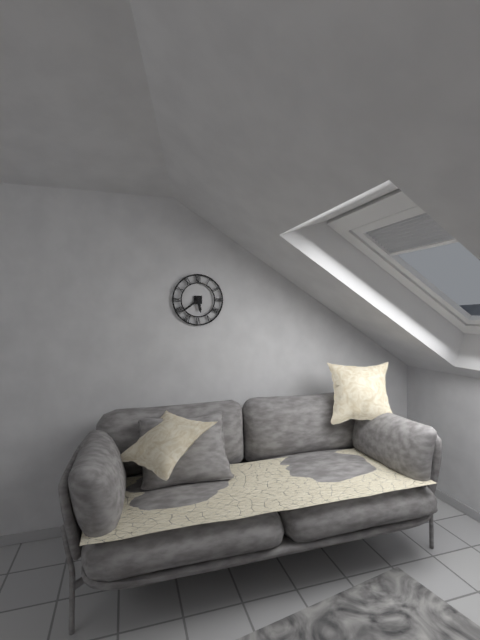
5:39
